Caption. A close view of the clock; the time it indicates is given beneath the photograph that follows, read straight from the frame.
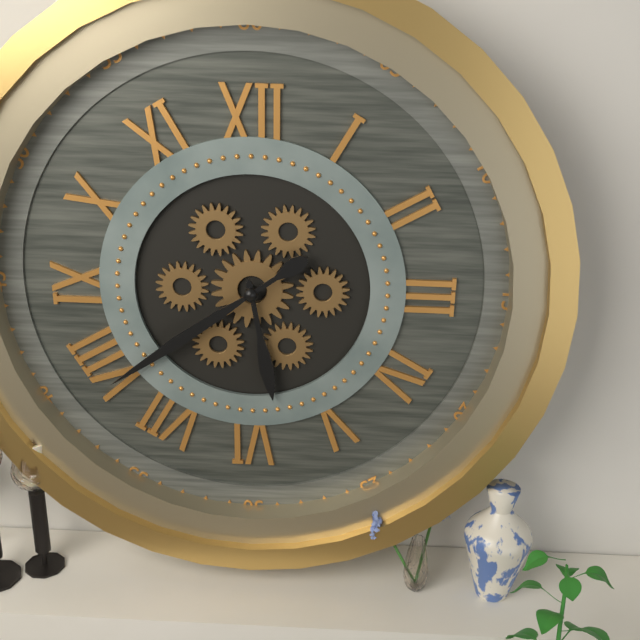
5:39
